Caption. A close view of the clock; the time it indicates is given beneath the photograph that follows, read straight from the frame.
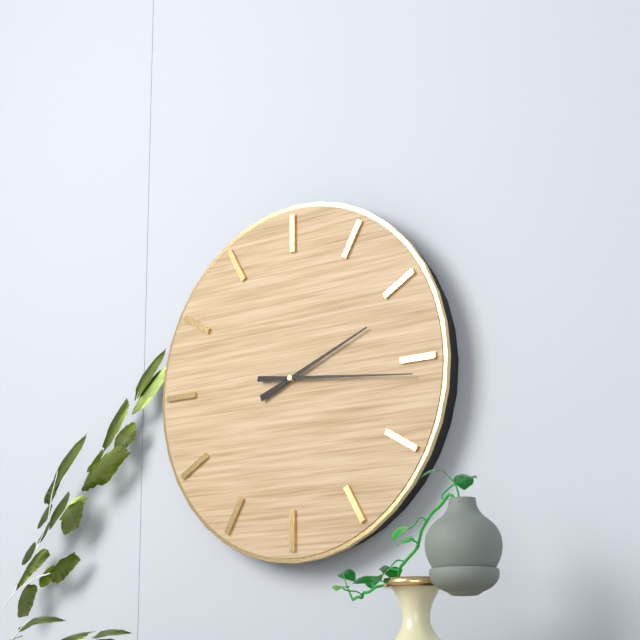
2:16
